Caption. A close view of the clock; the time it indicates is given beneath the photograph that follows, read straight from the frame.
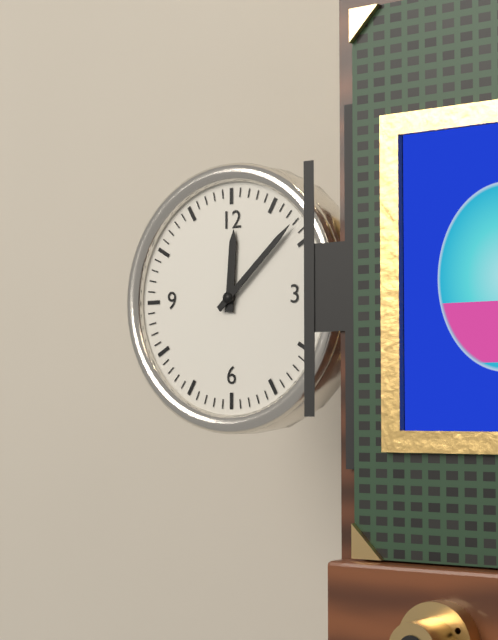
12:08
